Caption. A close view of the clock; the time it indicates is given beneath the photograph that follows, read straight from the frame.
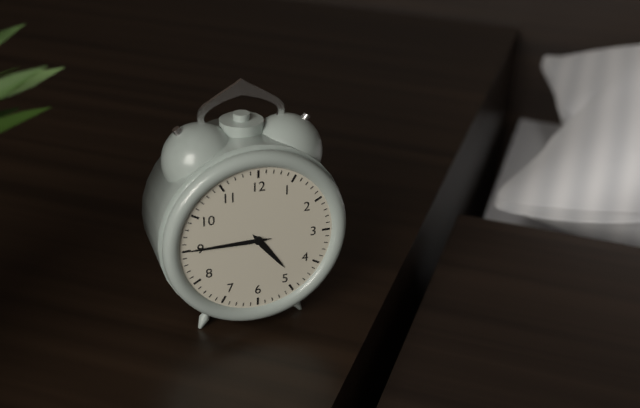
4:45
